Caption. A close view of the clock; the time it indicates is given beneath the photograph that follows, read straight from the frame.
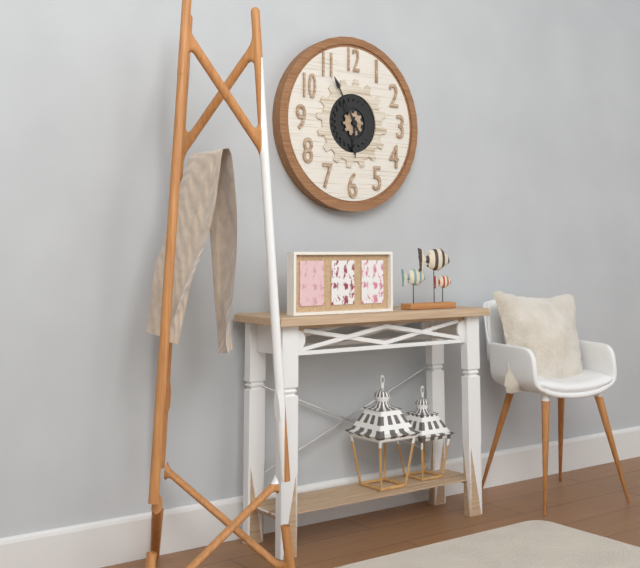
5:55
